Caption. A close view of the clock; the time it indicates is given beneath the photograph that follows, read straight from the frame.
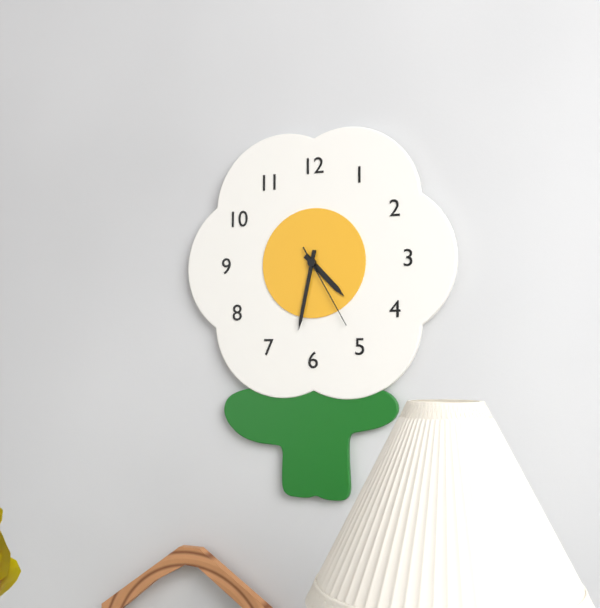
4:32:25
